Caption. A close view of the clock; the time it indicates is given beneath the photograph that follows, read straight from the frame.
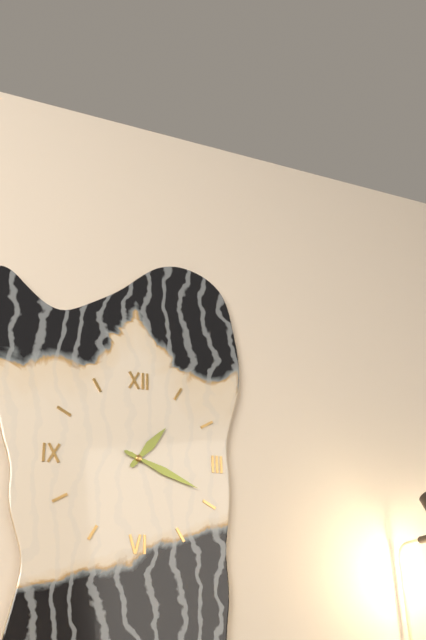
1:19
